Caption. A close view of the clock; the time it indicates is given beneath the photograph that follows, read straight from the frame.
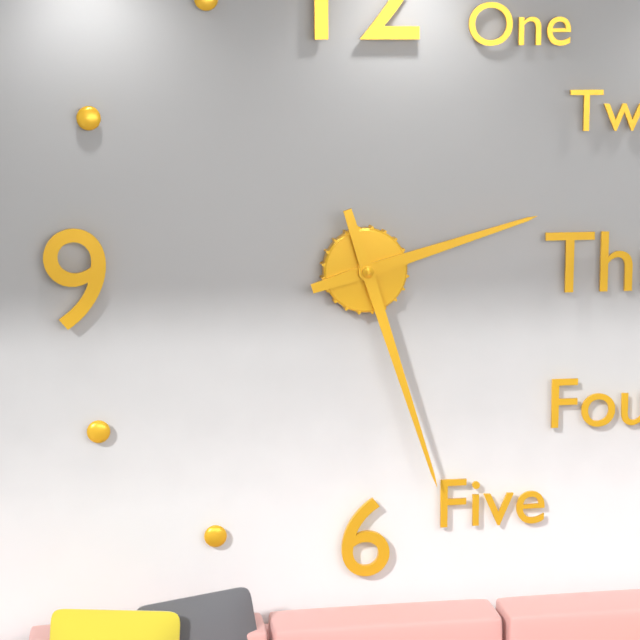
2:27
